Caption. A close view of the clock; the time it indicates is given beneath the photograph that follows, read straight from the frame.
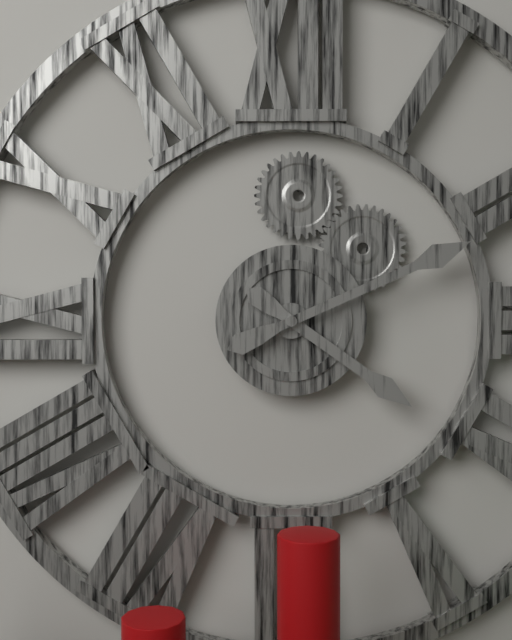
4:11
